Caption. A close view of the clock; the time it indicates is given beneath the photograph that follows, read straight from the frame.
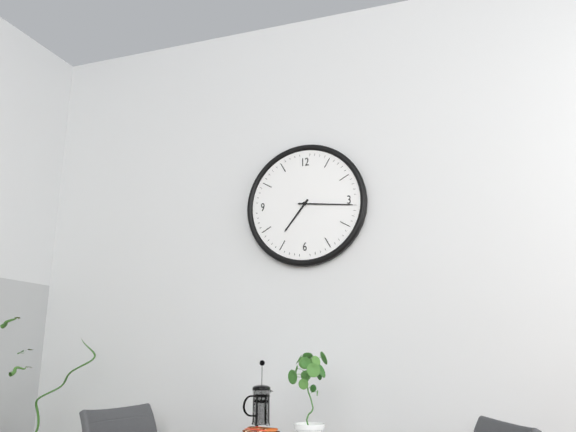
7:16
